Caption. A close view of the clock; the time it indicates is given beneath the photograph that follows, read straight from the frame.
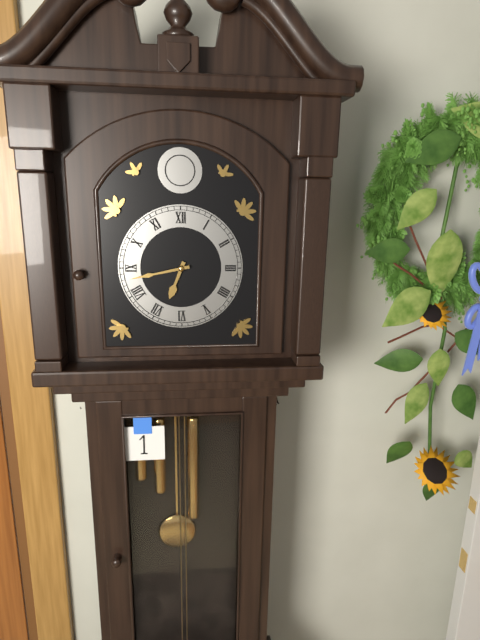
6:43
